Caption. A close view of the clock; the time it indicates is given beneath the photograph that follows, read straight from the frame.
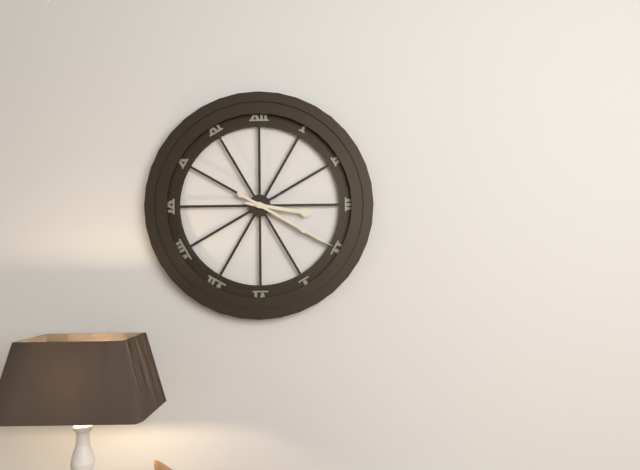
3:20
